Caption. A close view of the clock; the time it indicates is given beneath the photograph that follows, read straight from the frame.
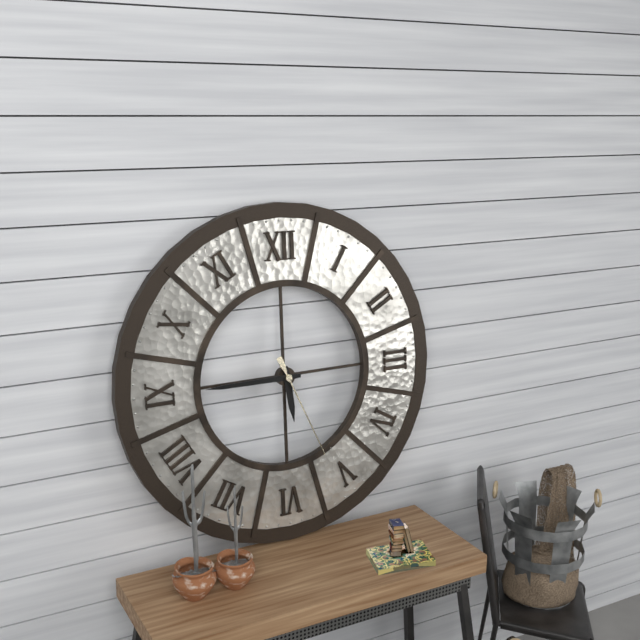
5:45:26
